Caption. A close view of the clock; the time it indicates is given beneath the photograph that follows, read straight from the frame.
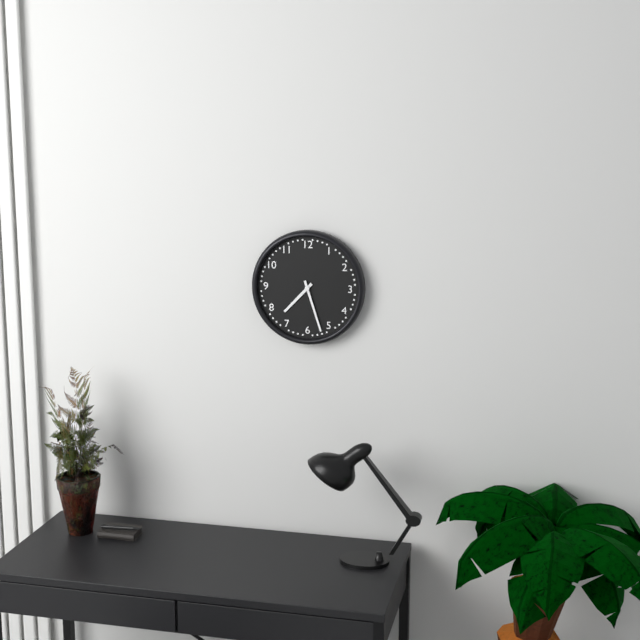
7:27
